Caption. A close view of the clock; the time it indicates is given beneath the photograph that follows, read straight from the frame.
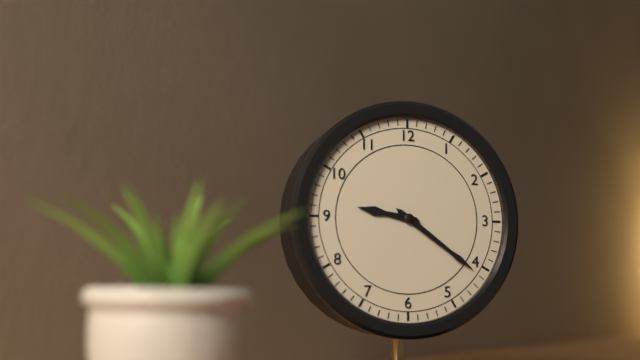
9:21
